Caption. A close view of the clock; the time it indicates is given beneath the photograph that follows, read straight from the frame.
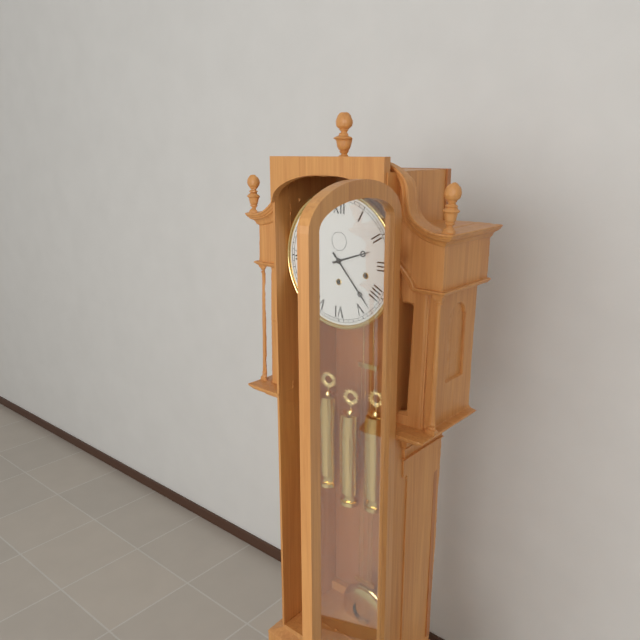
2:23
